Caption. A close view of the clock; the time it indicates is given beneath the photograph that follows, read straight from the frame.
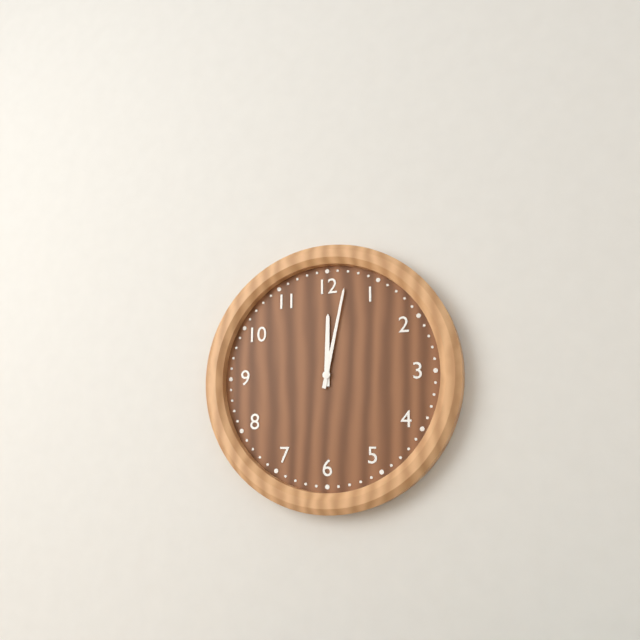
12:02
